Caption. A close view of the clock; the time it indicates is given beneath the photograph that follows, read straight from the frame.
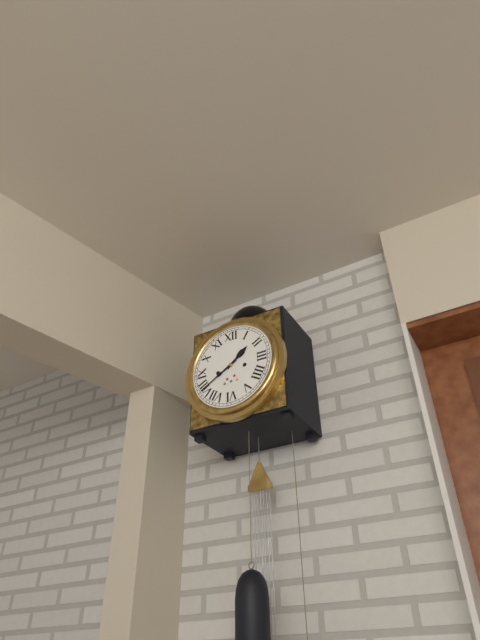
1:40
